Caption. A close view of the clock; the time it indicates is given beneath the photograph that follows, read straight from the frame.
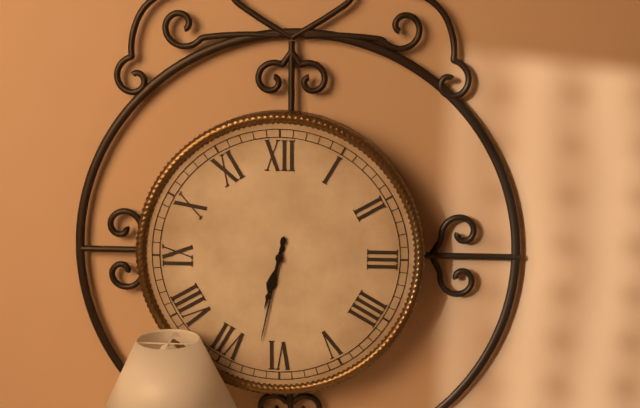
6:32
